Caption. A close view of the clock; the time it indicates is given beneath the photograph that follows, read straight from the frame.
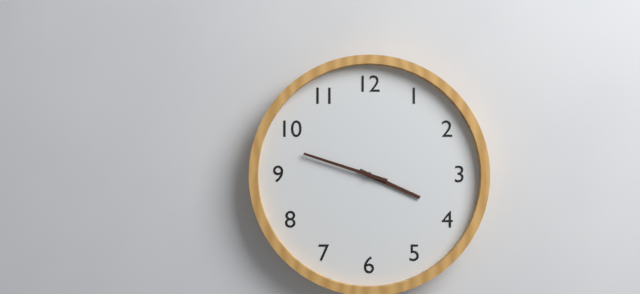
3:48
